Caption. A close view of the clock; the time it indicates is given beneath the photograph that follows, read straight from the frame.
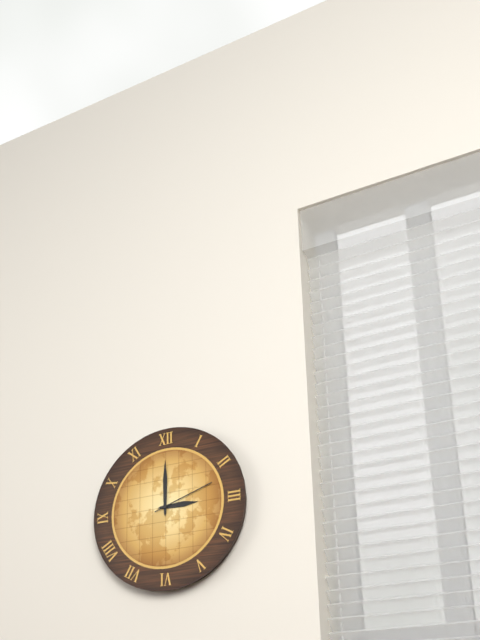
3:00:12
